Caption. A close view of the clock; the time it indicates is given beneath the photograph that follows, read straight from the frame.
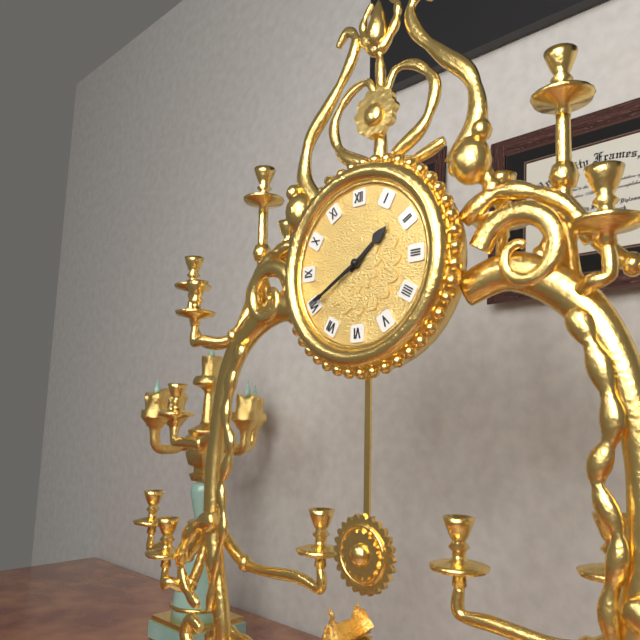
1:40
